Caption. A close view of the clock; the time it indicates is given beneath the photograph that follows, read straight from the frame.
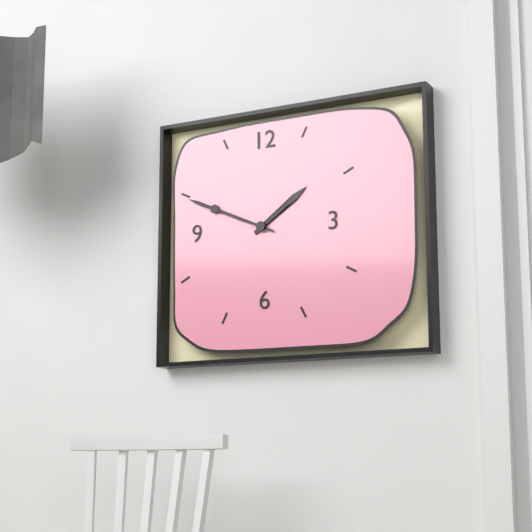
1:49
